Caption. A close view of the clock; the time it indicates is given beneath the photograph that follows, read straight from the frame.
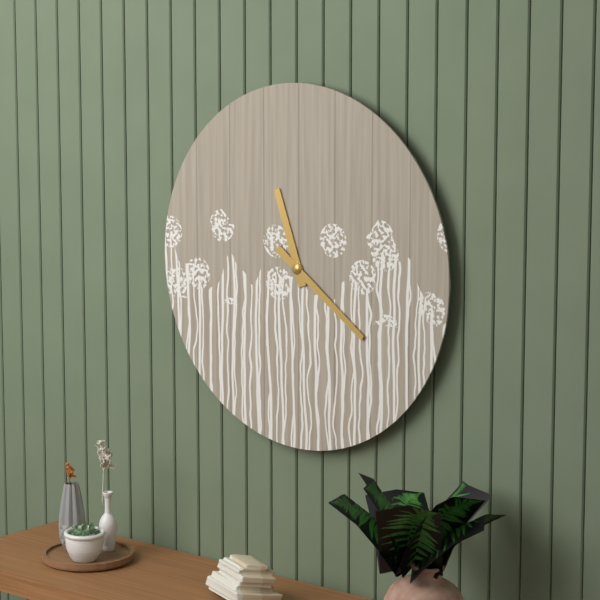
11:21
